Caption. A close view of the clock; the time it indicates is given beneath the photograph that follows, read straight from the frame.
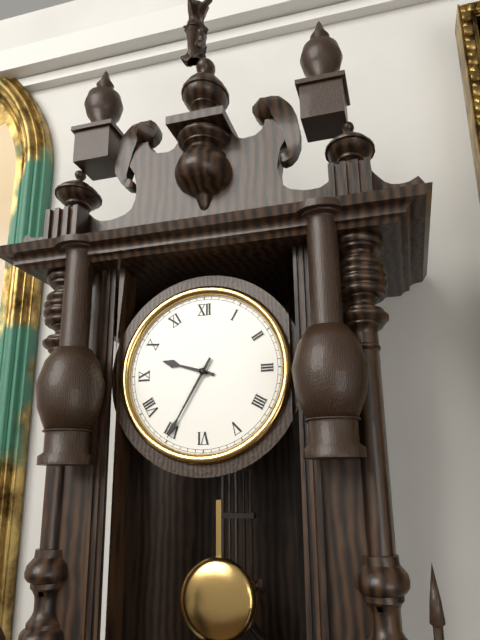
9:35
